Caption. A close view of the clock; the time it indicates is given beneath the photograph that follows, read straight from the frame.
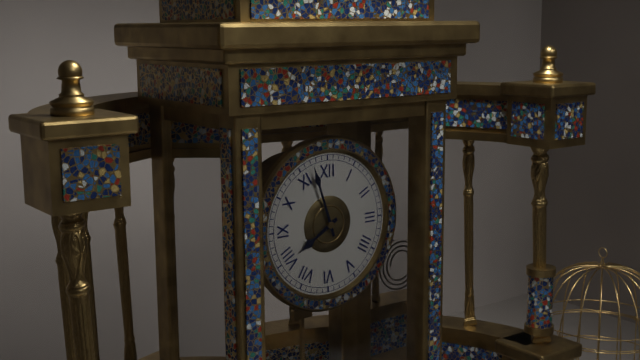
7:57
